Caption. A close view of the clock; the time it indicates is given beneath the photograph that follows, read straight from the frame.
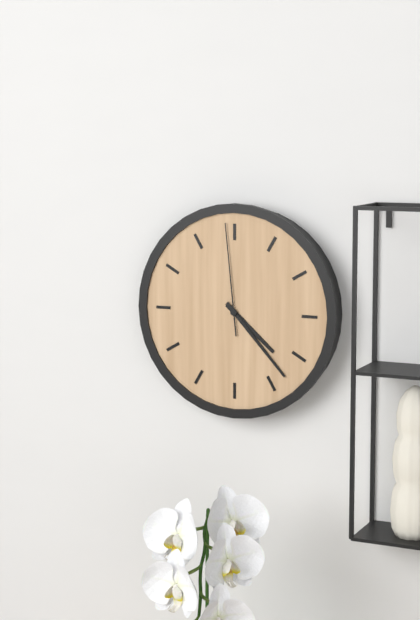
4:23:59
